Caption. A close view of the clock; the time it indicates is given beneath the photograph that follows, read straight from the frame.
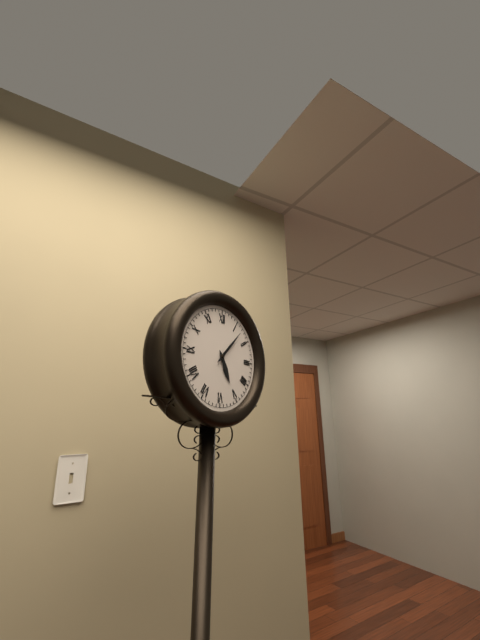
5:07
